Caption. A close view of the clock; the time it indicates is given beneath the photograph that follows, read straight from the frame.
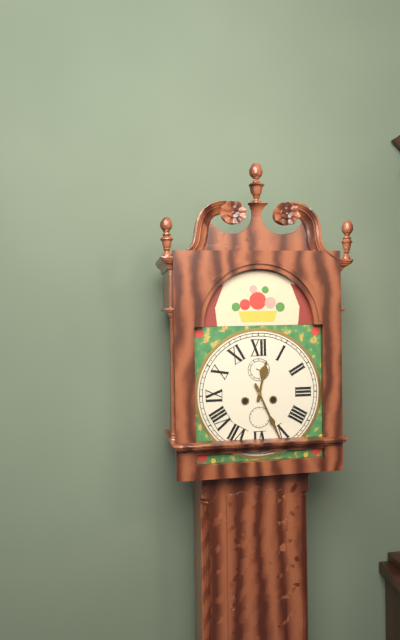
12:26
